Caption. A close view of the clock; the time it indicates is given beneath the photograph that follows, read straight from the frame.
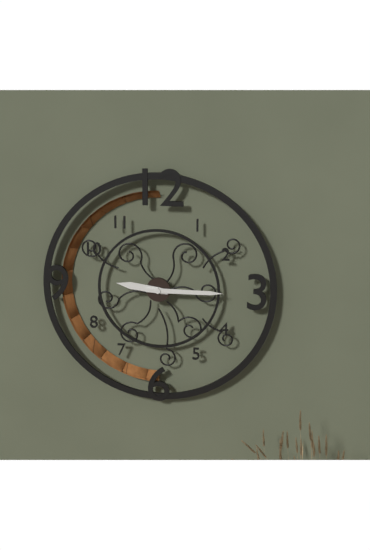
9:15
